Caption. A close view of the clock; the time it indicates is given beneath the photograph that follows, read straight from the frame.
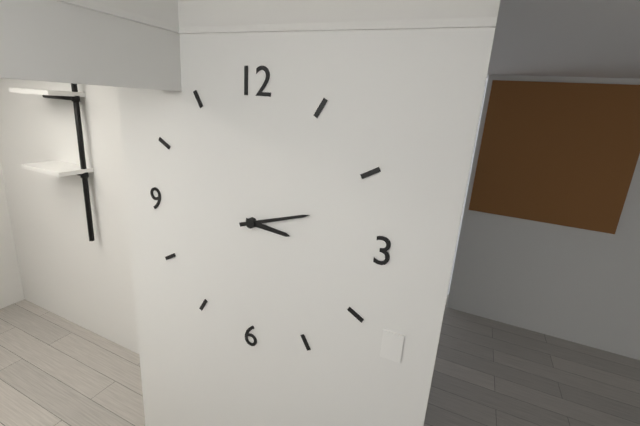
3:12
